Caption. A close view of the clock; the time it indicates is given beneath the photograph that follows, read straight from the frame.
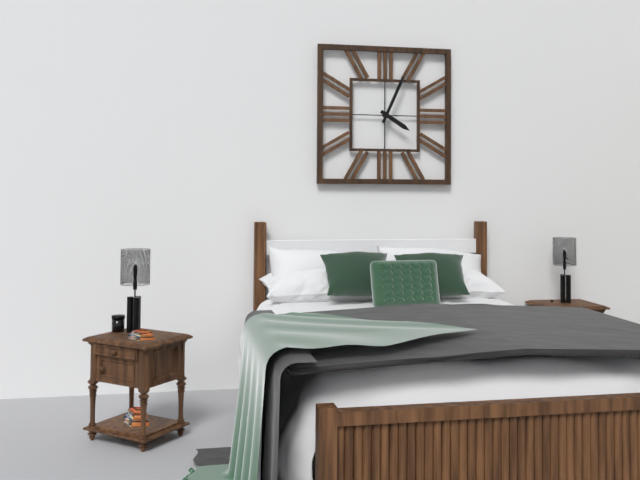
4:04
